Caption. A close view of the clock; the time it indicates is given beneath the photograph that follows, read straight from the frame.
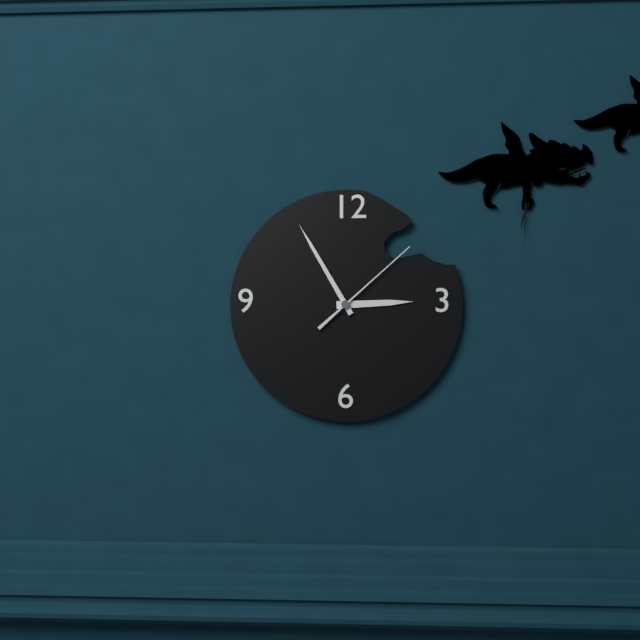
2:55:08
